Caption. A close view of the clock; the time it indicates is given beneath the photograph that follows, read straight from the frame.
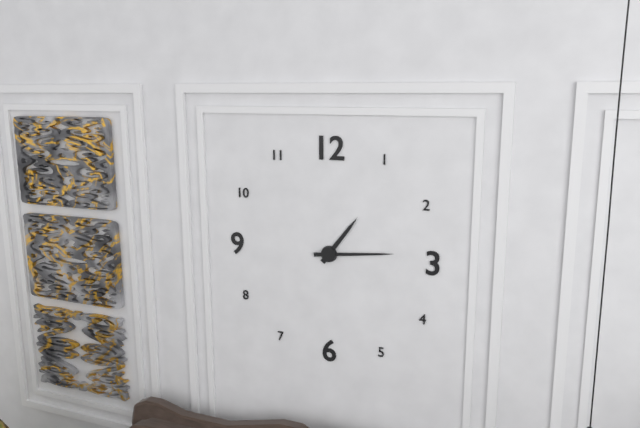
1:14
